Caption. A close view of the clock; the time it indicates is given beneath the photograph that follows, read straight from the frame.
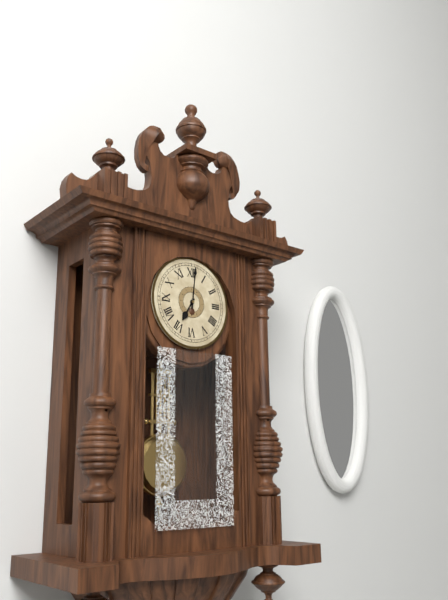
7:01
